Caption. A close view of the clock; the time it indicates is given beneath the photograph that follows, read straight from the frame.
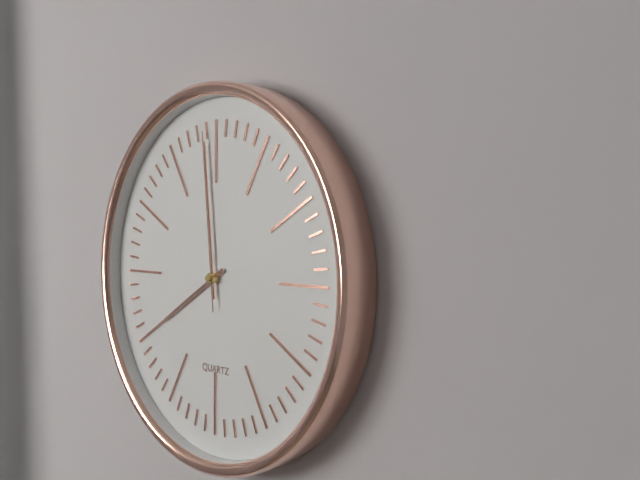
7:59:59
